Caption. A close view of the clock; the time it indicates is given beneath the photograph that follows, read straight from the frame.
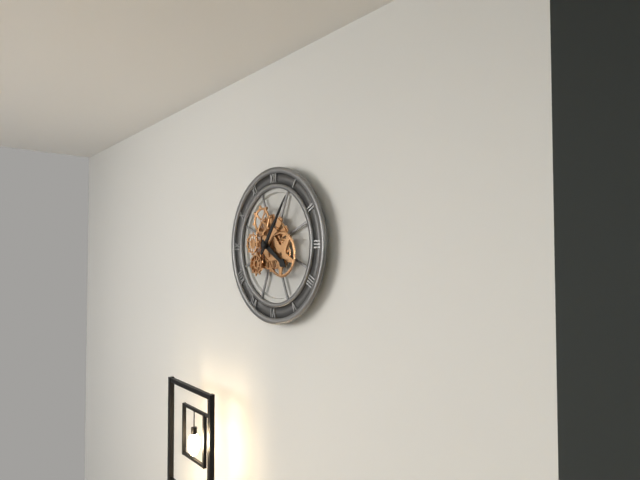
4:06
